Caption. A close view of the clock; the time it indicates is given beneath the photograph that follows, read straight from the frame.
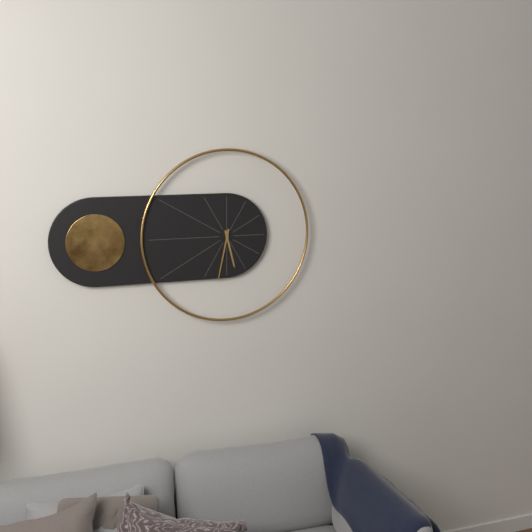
5:32
